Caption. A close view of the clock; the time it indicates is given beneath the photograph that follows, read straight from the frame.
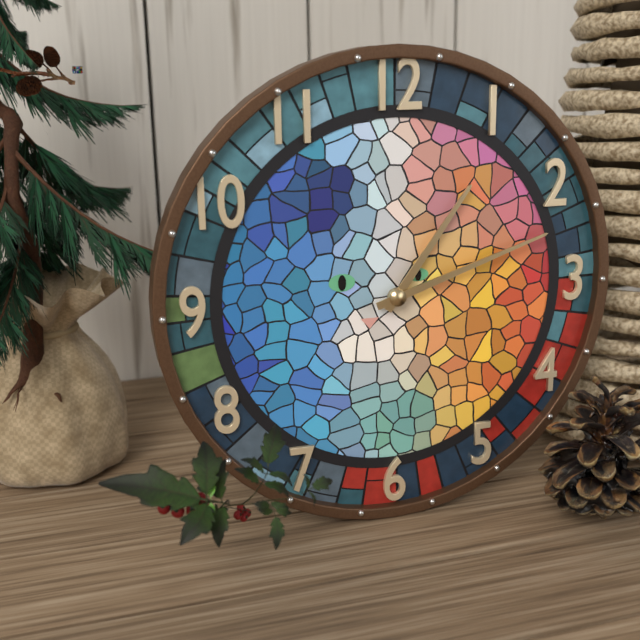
1:12
